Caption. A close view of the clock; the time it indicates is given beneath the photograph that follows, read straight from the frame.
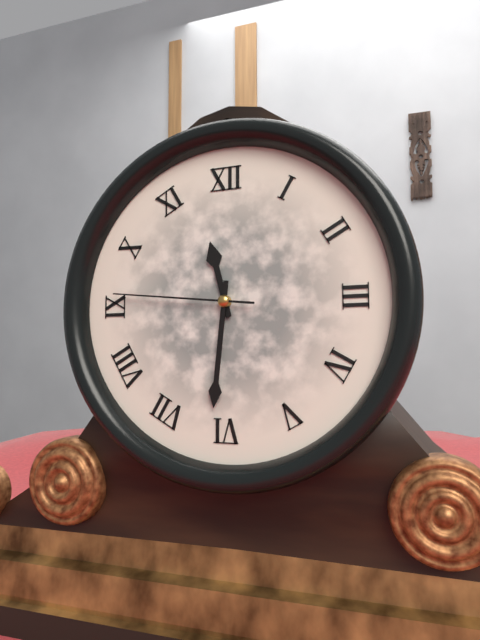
11:31:46
